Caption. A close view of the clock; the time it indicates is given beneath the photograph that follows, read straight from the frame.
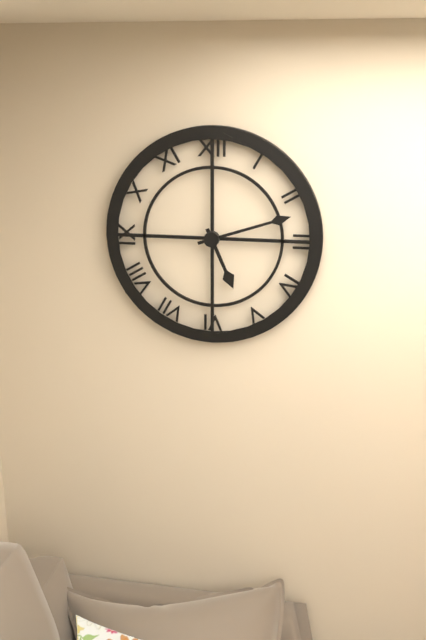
5:12
